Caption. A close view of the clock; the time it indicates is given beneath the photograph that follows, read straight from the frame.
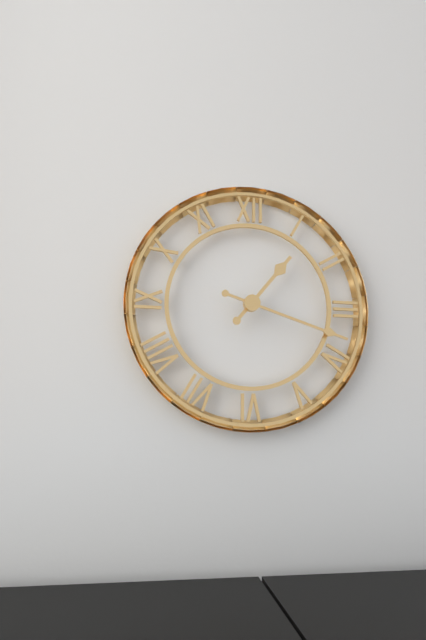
1:18
